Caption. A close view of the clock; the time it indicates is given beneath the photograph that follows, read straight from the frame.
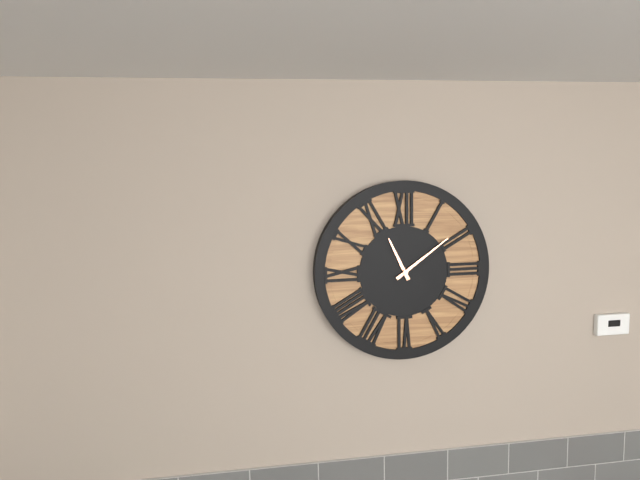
11:09
